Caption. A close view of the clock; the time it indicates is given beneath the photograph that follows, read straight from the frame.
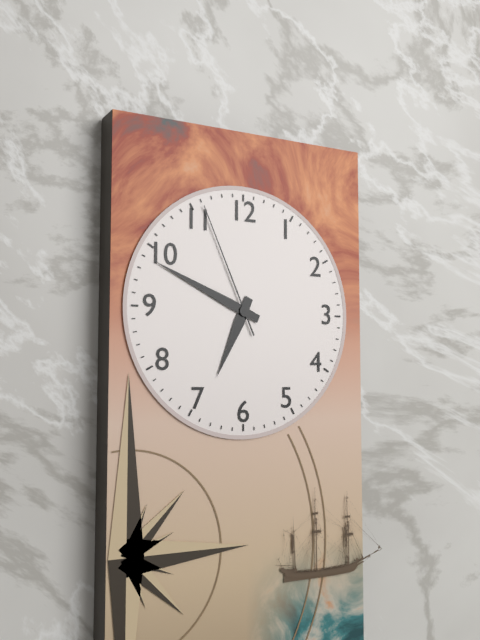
6:49:56
